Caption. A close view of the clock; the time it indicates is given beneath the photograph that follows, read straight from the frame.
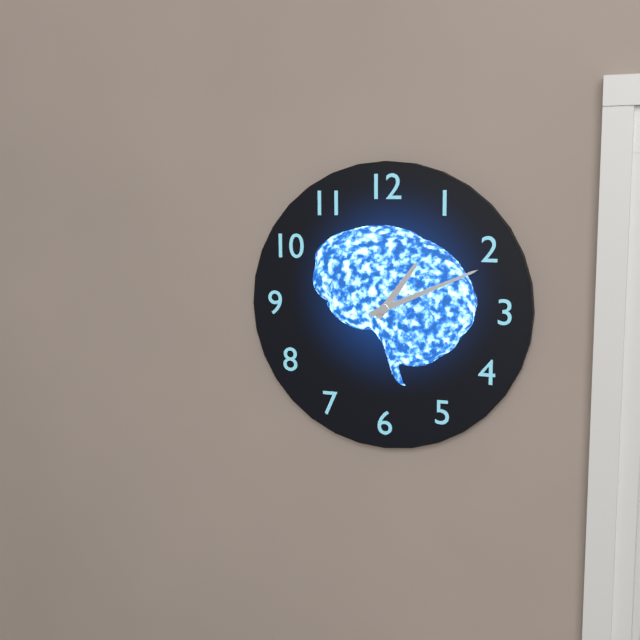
1:11
